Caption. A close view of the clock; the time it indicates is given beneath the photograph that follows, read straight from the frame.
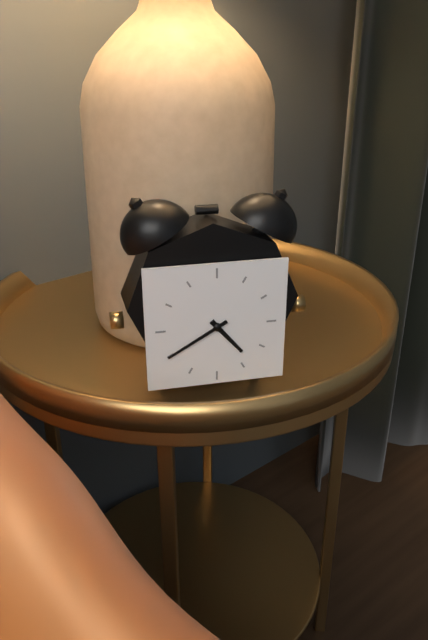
4:40
